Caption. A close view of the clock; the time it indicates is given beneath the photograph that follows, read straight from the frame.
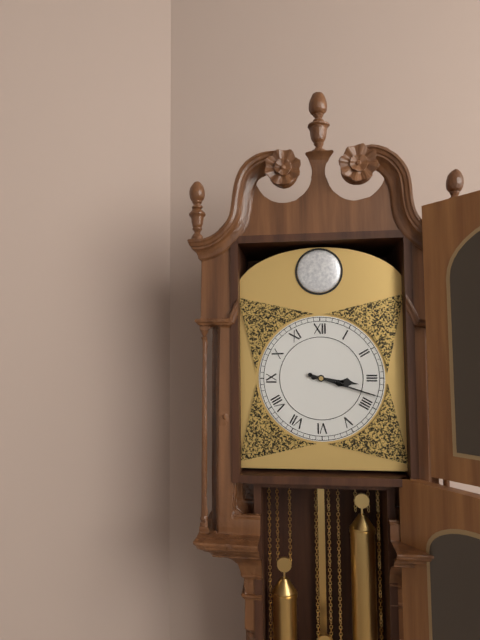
3:18
